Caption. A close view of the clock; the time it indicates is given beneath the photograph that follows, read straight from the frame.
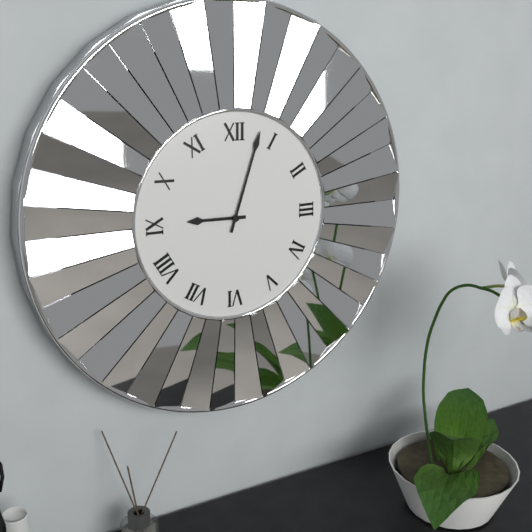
9:03
